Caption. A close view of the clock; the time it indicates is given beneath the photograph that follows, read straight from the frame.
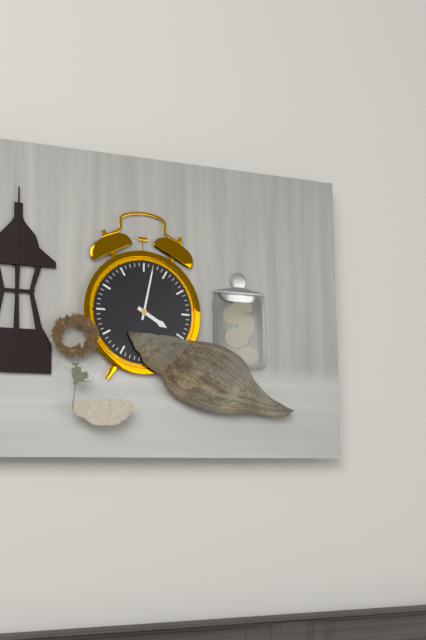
4:02
